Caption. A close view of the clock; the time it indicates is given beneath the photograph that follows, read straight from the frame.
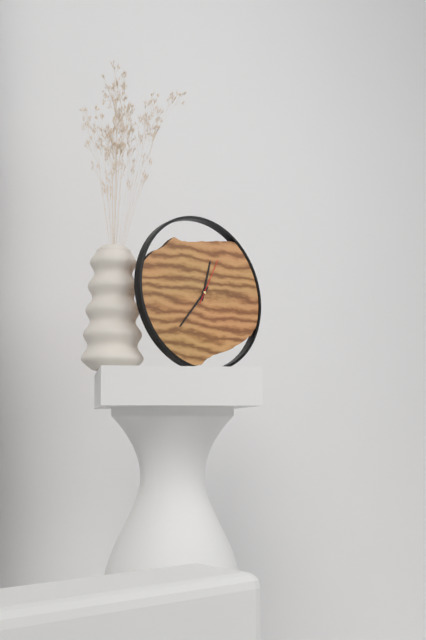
12:37
